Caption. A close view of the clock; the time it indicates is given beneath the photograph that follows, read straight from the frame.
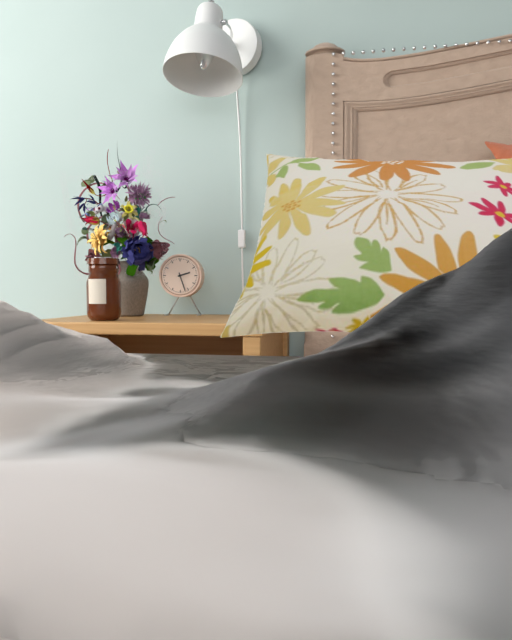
2:27
